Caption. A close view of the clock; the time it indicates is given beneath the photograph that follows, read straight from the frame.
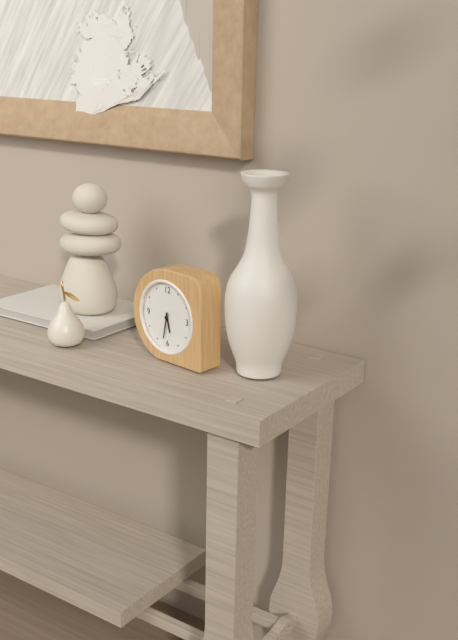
5:32
